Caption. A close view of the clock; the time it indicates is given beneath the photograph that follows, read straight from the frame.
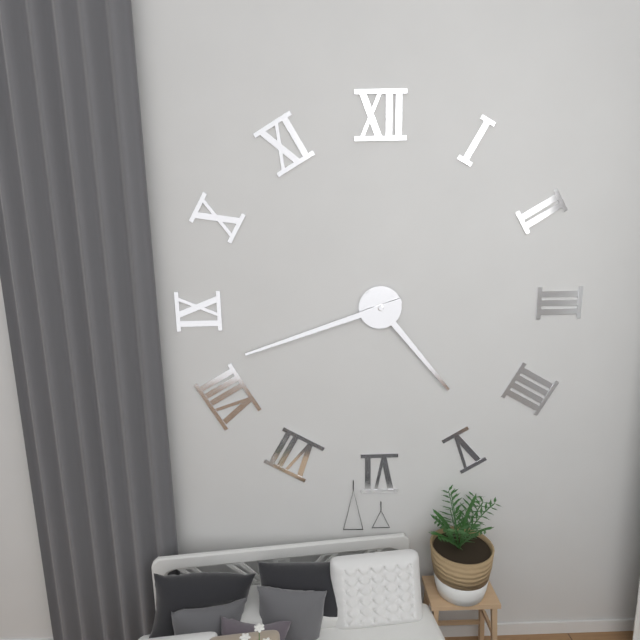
4:42
